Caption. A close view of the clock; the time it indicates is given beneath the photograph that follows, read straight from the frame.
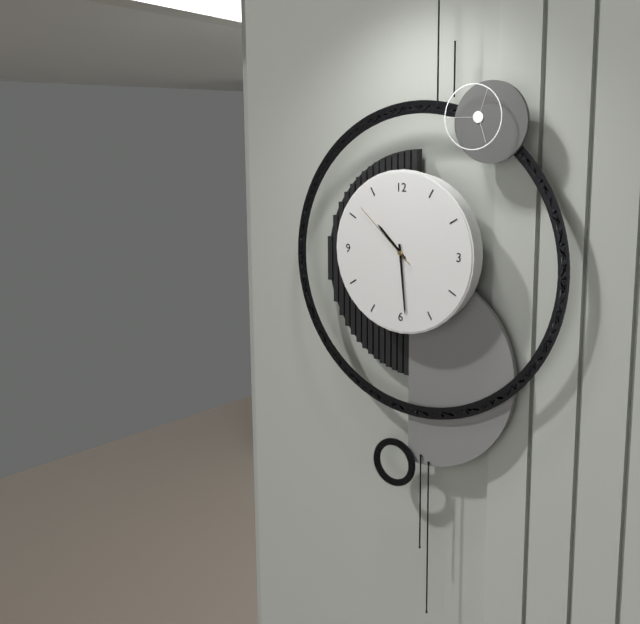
10:29:52
